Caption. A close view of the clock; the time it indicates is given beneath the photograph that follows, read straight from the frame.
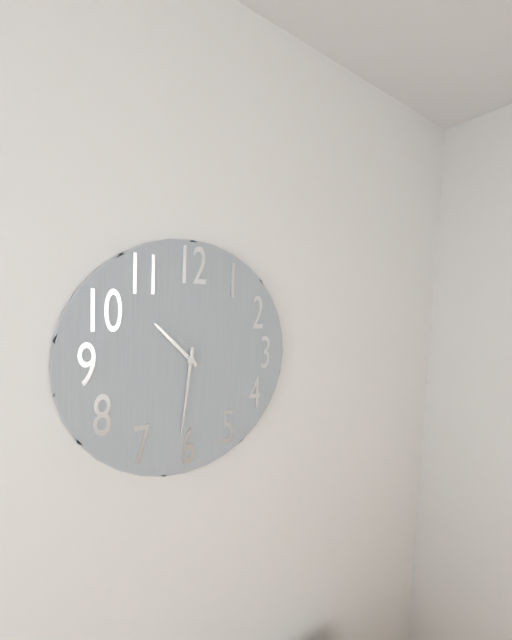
10:31
